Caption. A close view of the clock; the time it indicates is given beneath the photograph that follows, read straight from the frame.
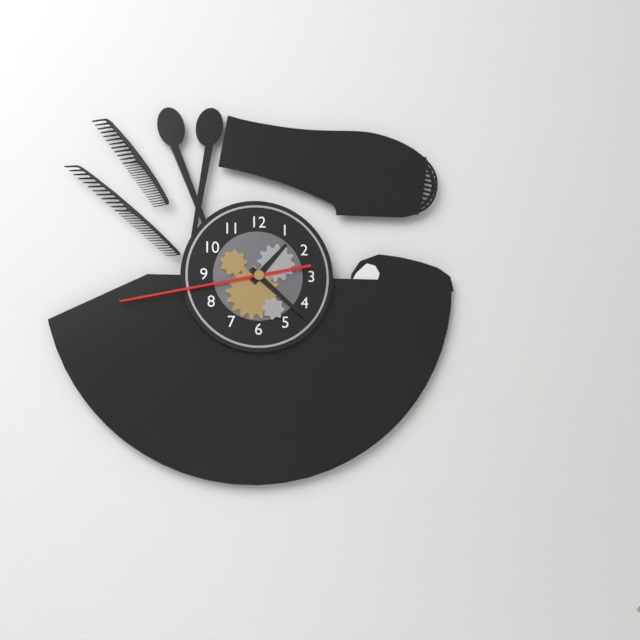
1:22:43
